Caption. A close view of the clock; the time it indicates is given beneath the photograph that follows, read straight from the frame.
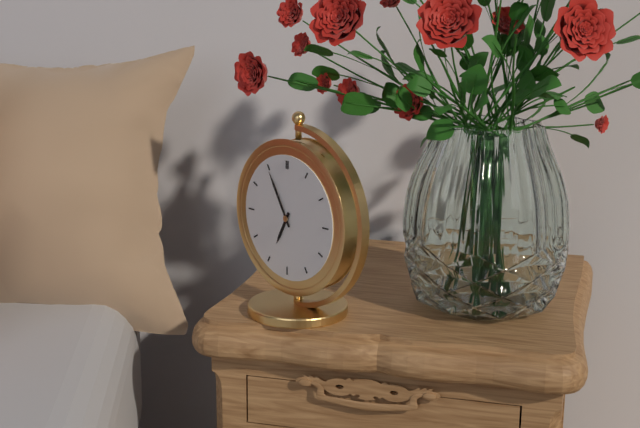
6:55
